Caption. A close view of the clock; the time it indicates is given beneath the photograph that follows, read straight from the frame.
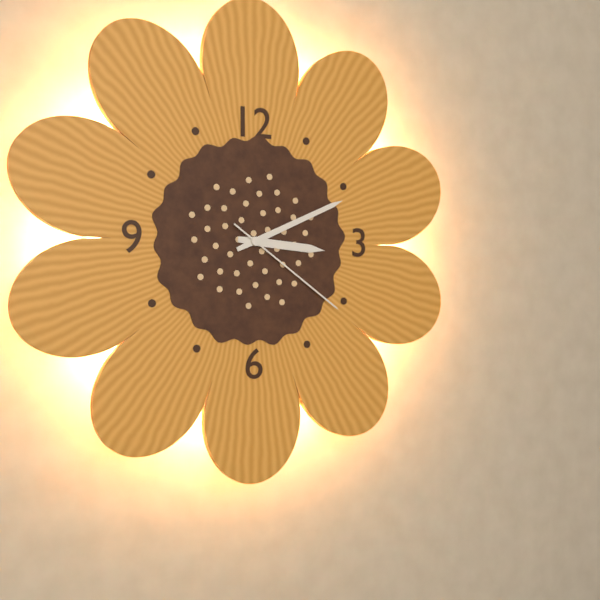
3:11:21
